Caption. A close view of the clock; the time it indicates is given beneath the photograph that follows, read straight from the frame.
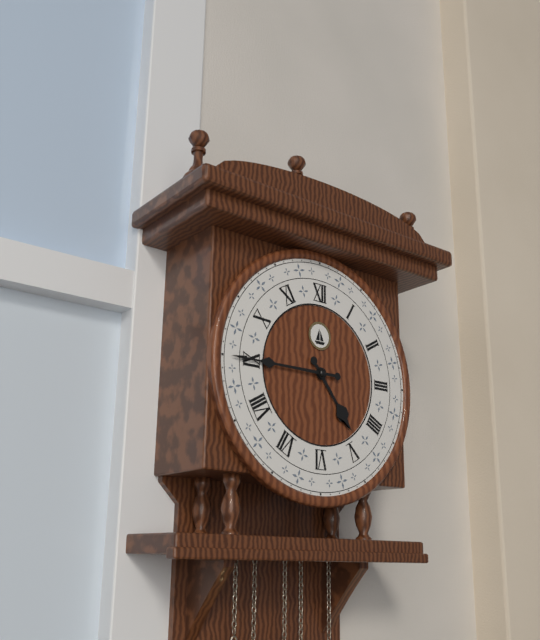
4:45
